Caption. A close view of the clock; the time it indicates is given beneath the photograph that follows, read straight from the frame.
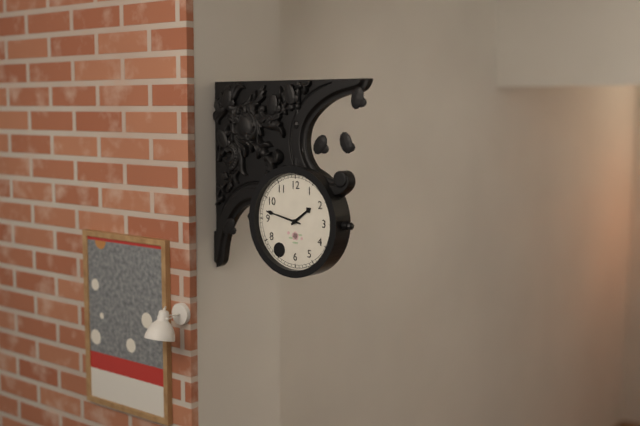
1:47
